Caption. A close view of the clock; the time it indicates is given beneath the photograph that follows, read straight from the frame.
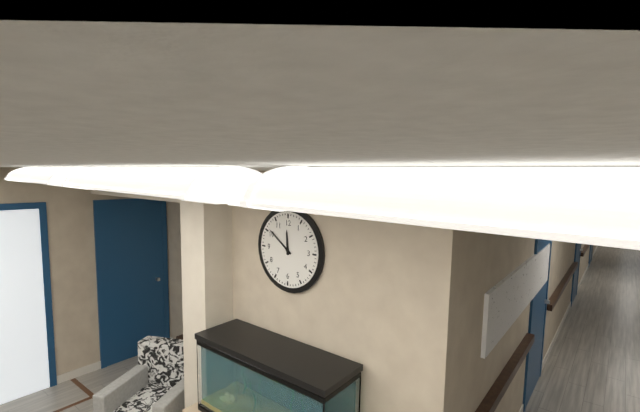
11:51
